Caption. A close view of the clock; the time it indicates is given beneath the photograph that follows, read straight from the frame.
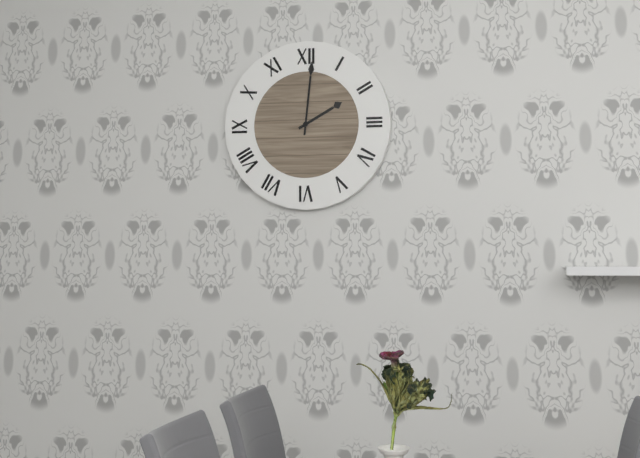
2:01
